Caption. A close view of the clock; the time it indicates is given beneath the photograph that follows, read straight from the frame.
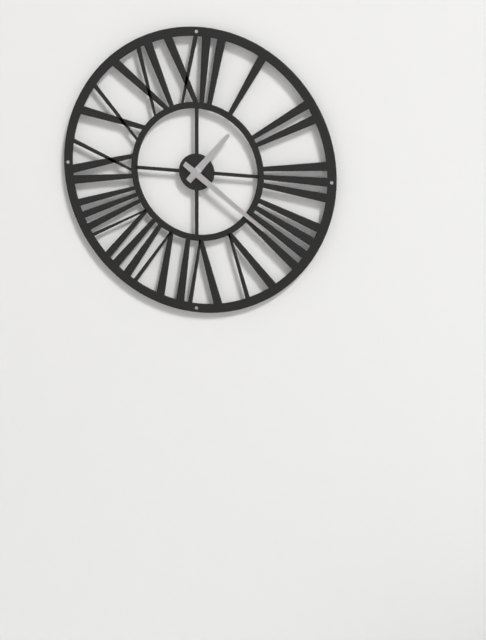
1:21
